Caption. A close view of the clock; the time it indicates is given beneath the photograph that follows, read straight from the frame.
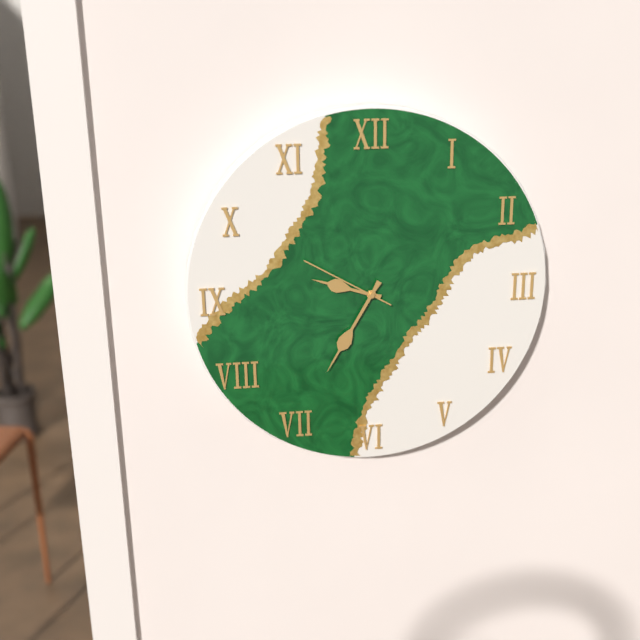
9:35:50
